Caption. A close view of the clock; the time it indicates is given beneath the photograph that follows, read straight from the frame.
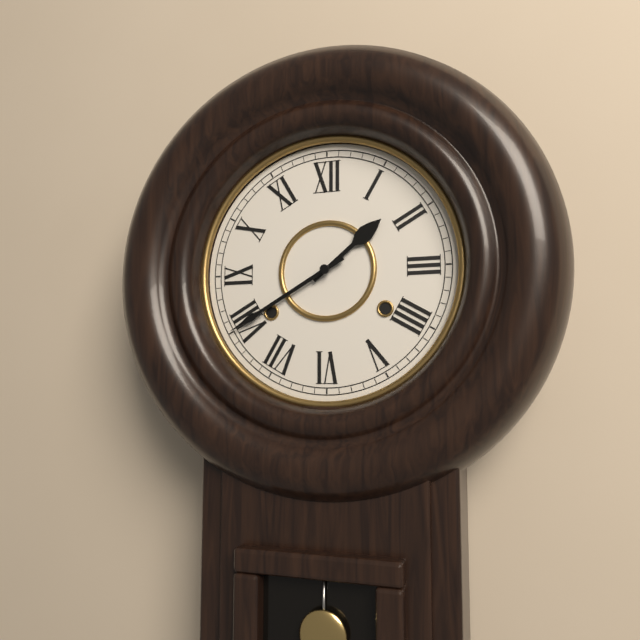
1:40
